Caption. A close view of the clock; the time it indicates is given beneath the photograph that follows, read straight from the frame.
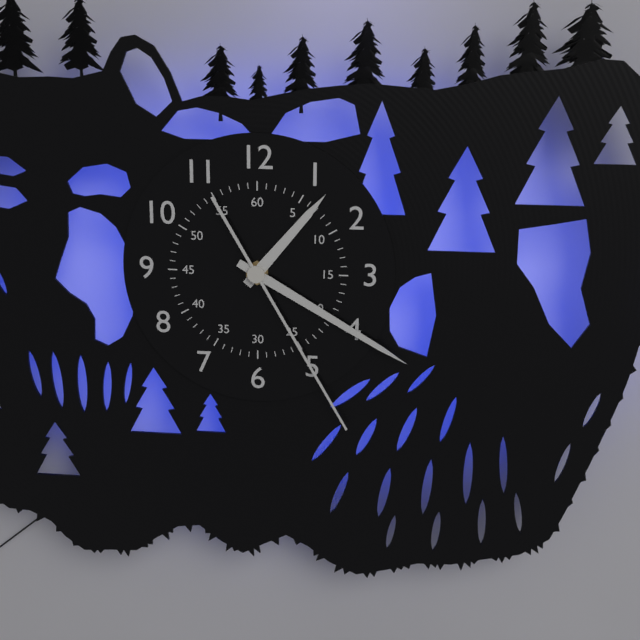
1:20:25
